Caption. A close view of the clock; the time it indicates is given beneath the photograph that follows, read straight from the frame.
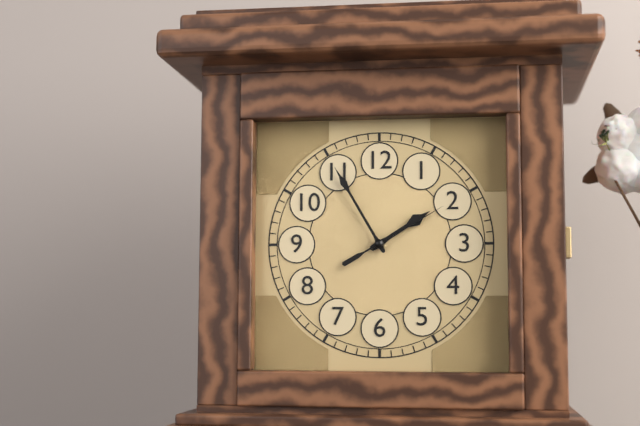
1:55:10
